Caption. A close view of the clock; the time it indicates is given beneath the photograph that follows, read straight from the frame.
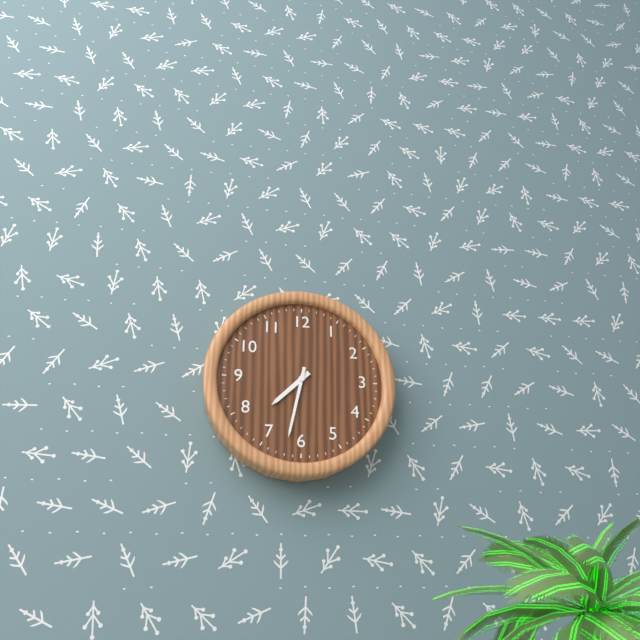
7:32
